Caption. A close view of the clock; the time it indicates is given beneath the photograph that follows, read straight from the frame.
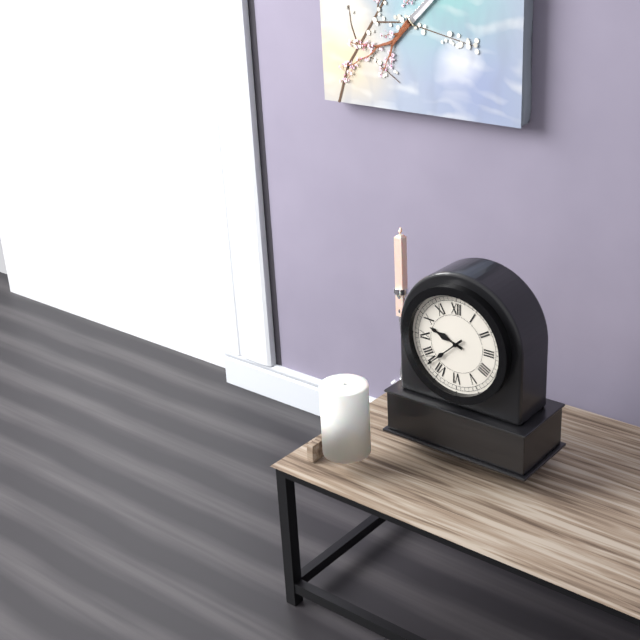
9:38
